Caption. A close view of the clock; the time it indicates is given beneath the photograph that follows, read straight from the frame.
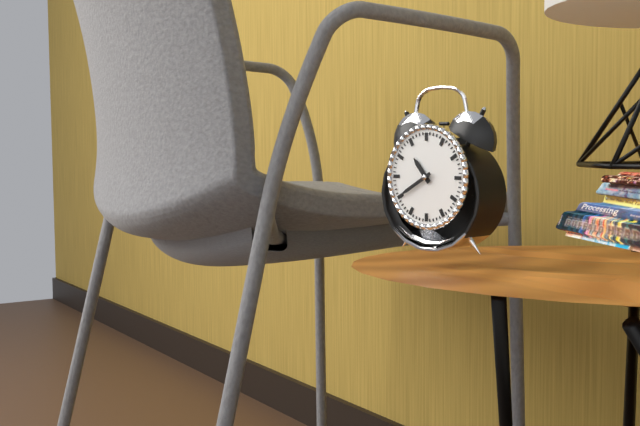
10:40
